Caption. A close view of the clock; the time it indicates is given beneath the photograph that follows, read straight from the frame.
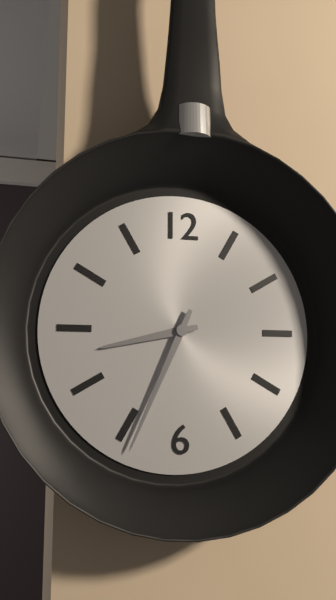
8:34
